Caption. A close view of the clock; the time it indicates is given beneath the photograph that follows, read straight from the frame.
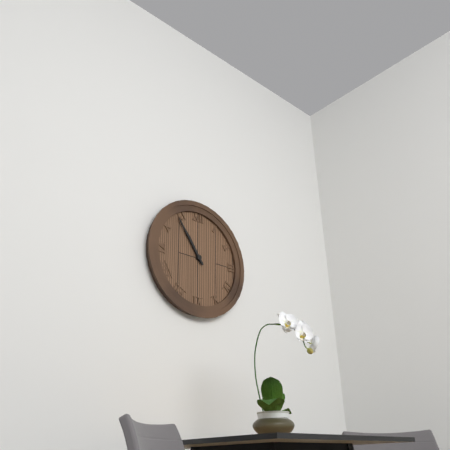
10:54
